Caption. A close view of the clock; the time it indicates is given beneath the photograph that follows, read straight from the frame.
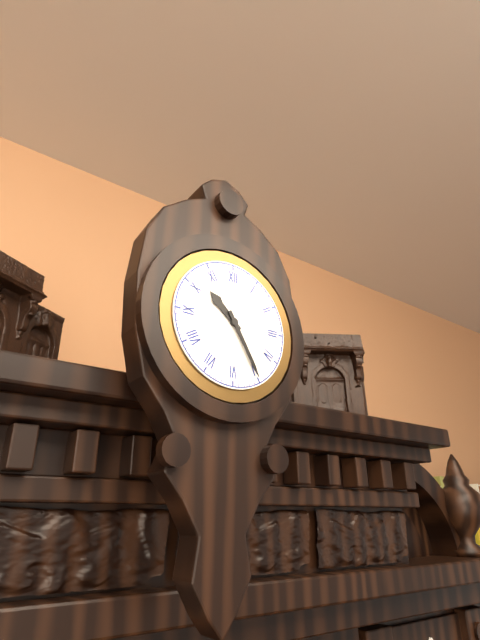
10:25
